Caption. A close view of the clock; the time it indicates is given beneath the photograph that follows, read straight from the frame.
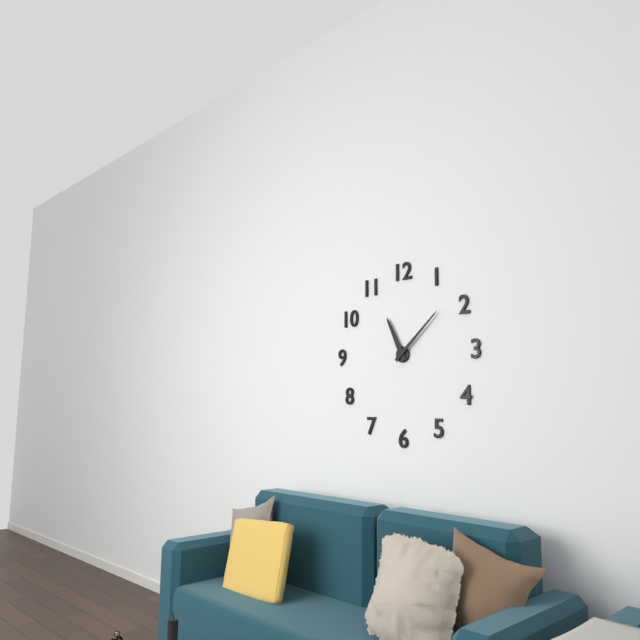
11:08
